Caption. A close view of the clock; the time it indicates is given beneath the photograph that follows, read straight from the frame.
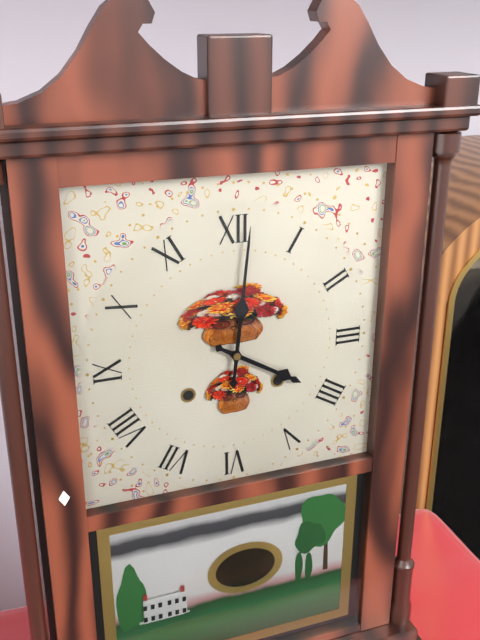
4:01
